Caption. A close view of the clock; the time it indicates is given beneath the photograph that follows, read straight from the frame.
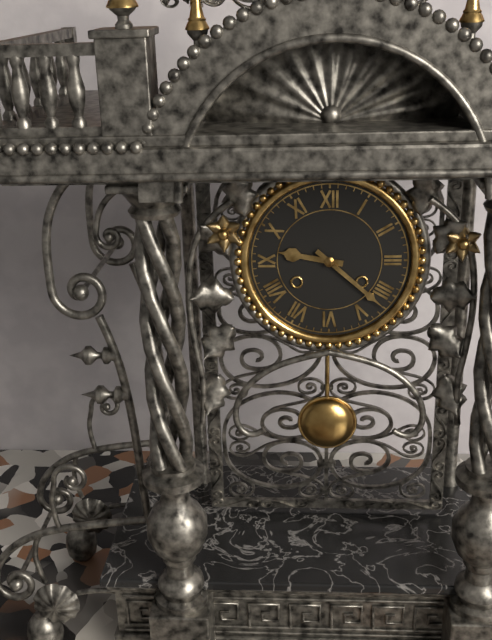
9:22
